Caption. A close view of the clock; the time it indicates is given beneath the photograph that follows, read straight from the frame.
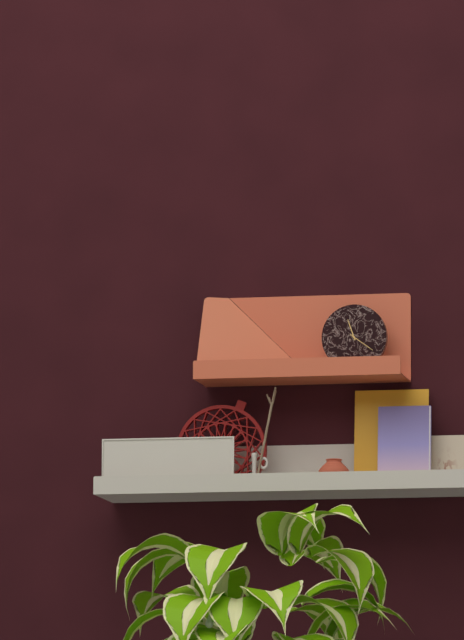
11:21
